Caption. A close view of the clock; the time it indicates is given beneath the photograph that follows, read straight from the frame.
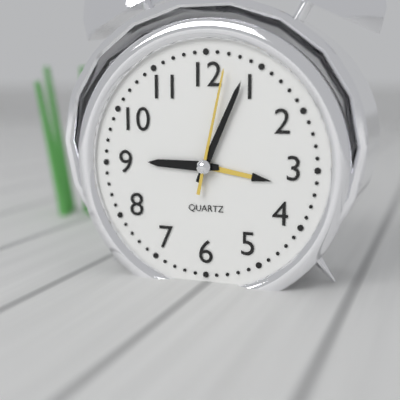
9:04:02
